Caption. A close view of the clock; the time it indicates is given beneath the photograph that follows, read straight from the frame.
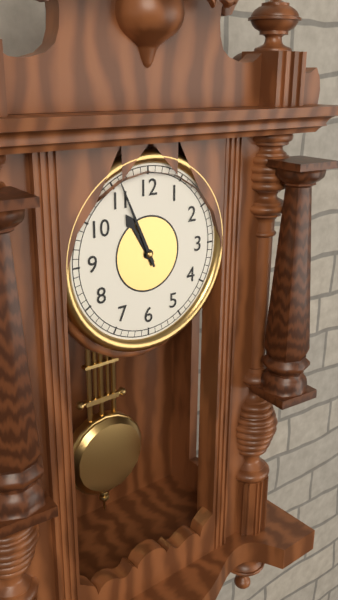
10:56
